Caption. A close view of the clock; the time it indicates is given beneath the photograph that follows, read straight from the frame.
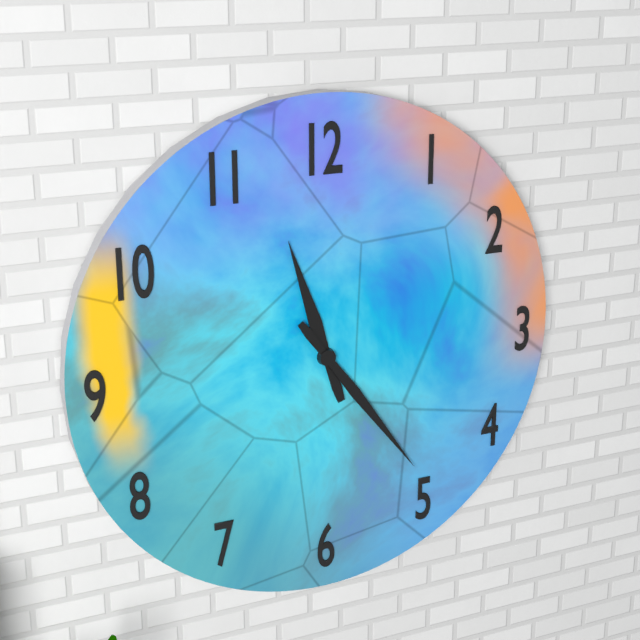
11:24
